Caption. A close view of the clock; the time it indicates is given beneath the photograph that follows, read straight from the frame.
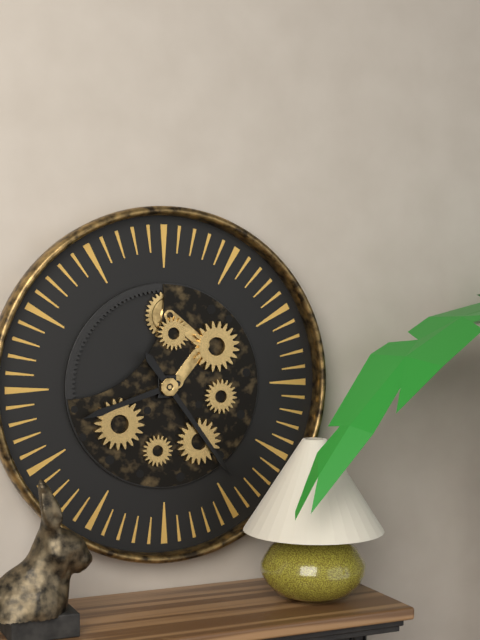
8:24
